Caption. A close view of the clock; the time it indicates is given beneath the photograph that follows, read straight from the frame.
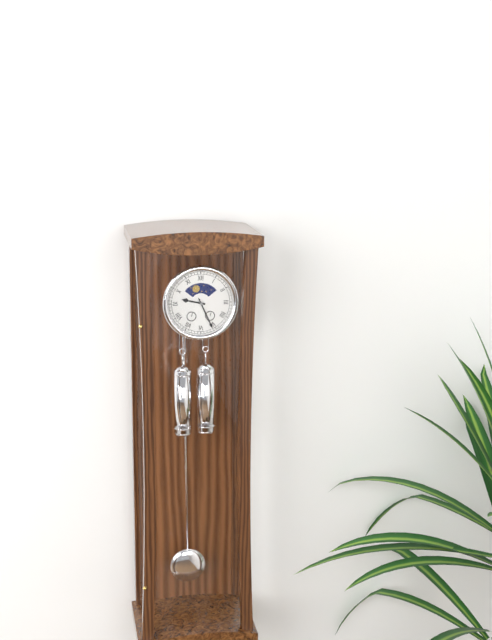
9:26
